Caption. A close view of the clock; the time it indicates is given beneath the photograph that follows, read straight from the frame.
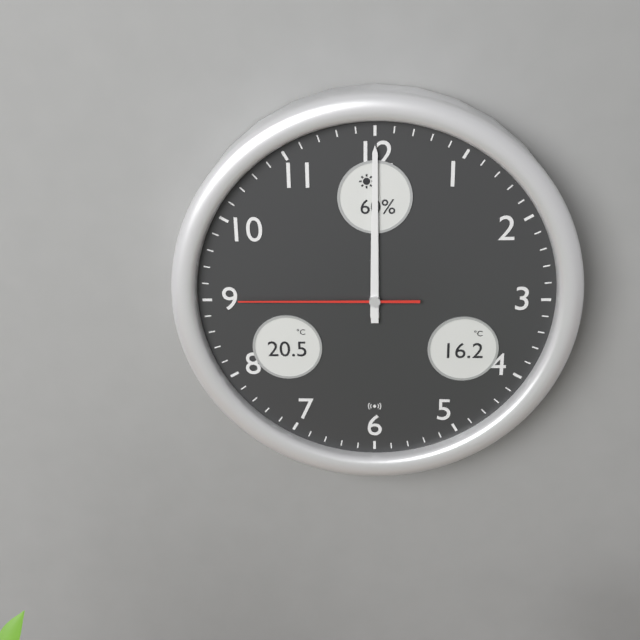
12:00:45
